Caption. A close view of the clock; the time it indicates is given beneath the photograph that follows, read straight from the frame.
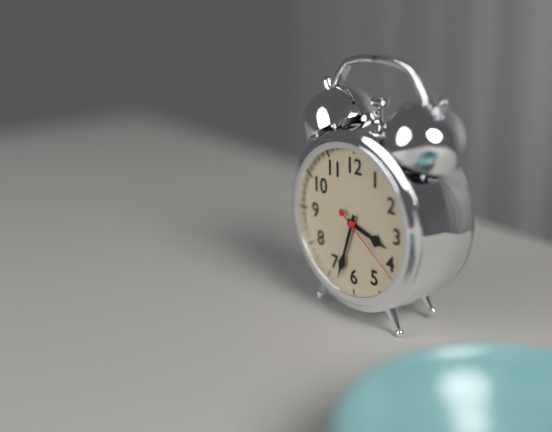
3:33:21
